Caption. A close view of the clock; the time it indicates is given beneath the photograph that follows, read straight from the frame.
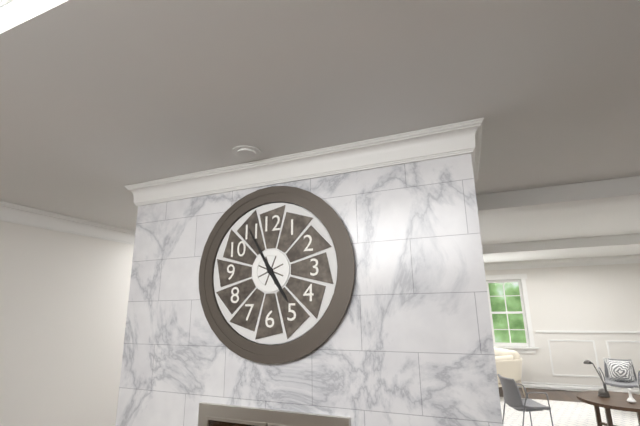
4:55
